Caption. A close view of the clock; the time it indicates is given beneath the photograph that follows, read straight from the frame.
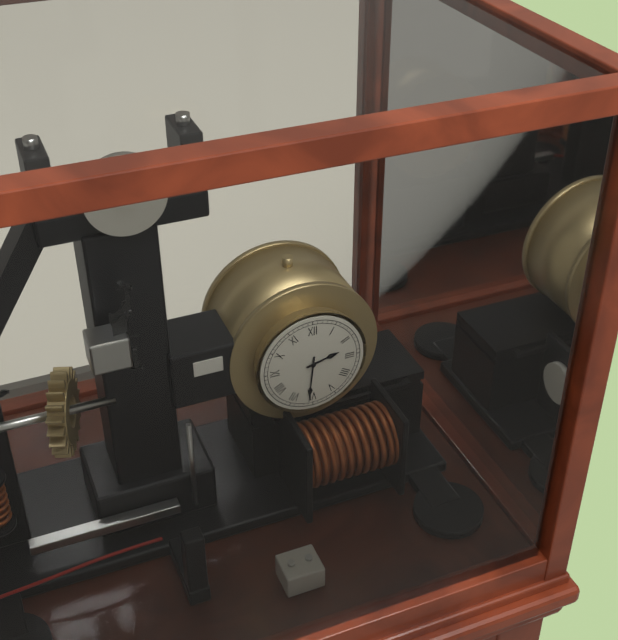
2:31
